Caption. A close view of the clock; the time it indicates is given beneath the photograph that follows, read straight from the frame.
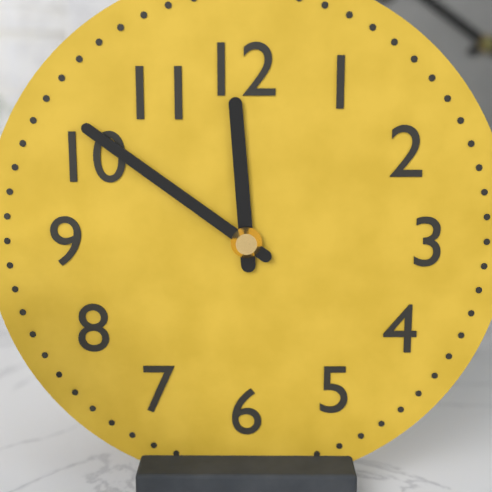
11:51
